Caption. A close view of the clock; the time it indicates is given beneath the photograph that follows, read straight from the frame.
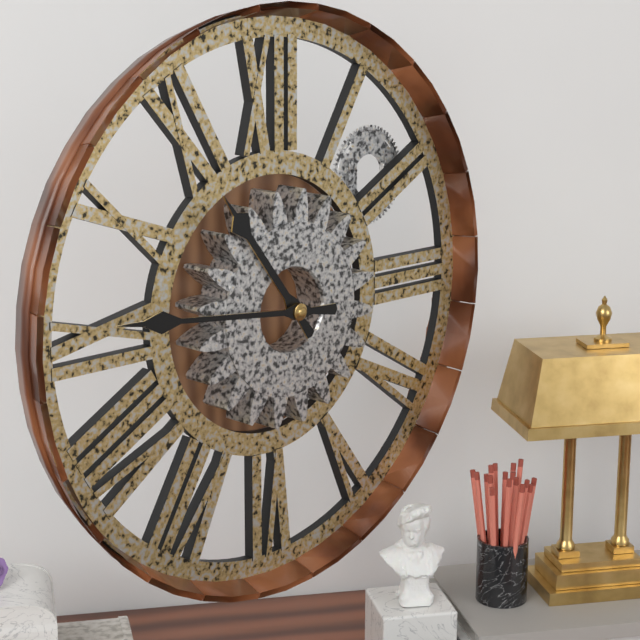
10:46
